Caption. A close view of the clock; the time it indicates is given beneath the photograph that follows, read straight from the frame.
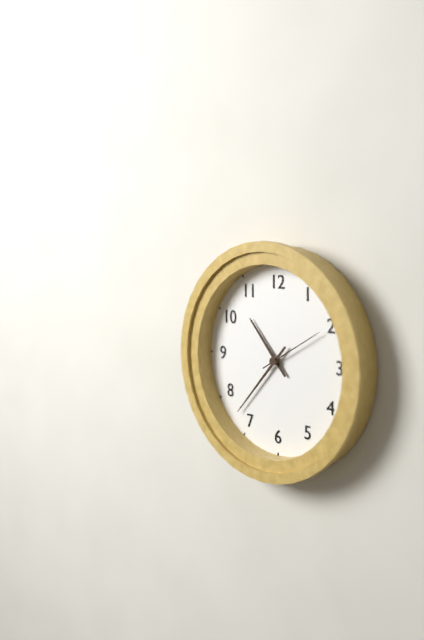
10:37:10
